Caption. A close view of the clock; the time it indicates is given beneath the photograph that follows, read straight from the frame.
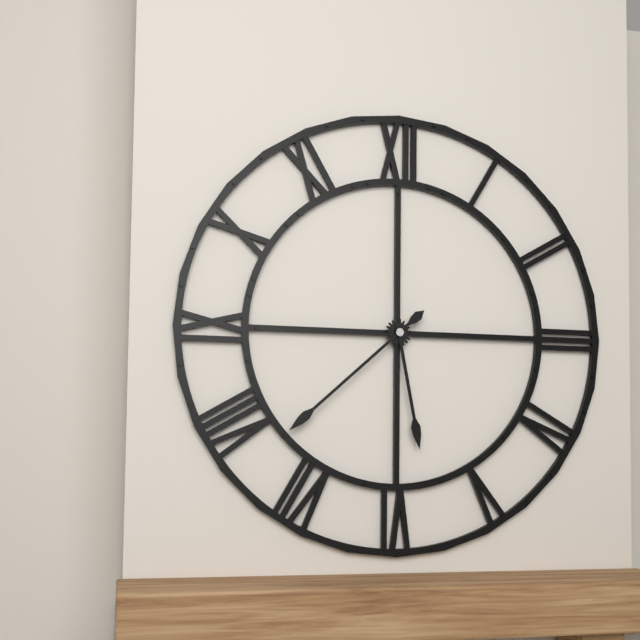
5:38
